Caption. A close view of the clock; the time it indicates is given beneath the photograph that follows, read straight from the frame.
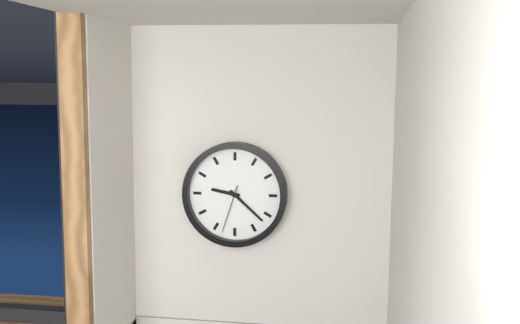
9:22
